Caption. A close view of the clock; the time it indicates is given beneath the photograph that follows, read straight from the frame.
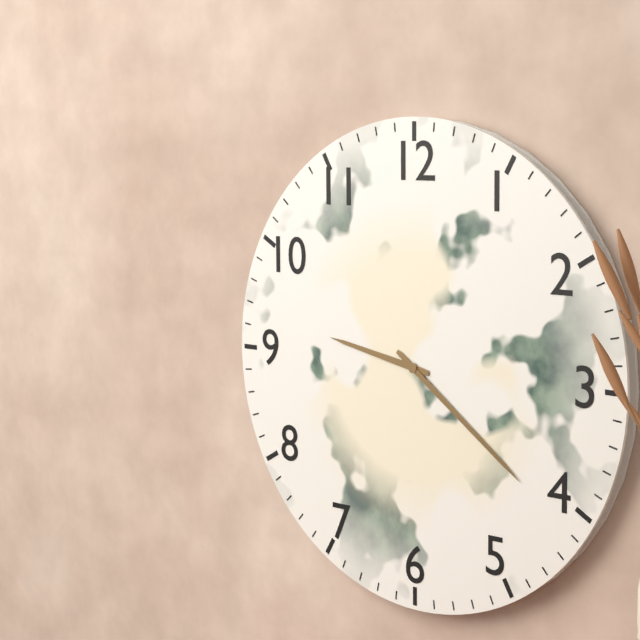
9:21
